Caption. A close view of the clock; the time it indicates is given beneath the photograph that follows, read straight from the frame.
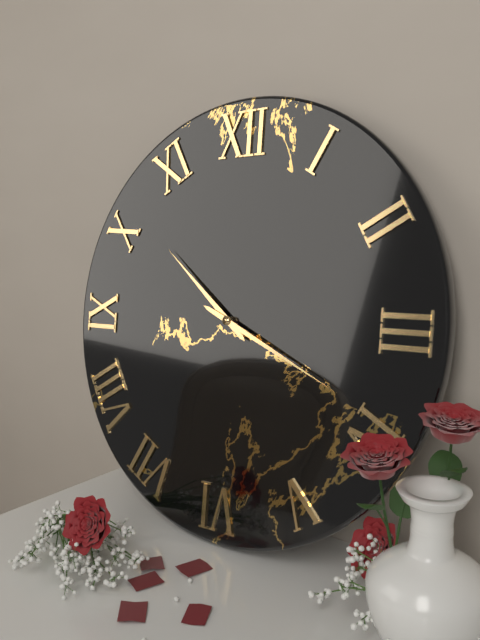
10:19
